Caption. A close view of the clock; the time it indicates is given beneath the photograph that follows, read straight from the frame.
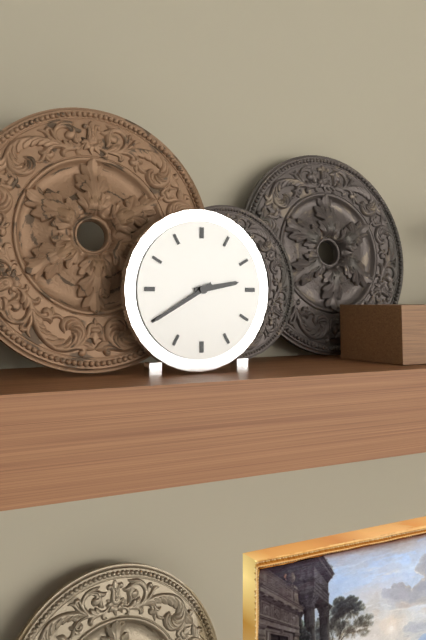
2:40
